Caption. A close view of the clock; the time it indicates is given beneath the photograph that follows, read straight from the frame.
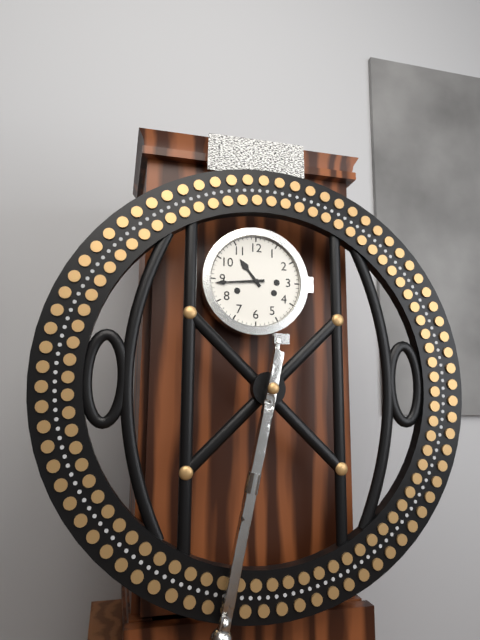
10:44
